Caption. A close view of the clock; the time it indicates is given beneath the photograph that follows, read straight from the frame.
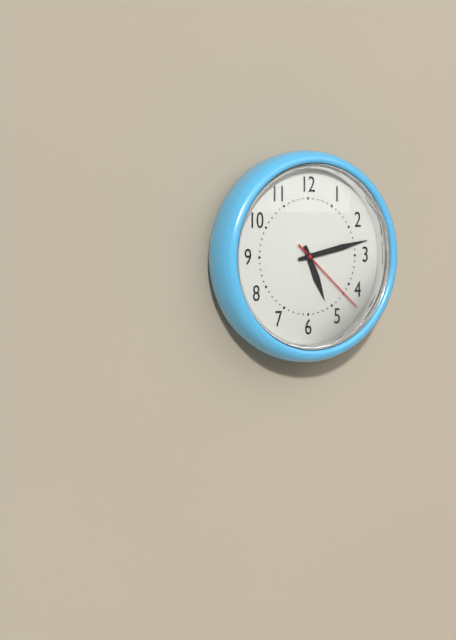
5:13:22
